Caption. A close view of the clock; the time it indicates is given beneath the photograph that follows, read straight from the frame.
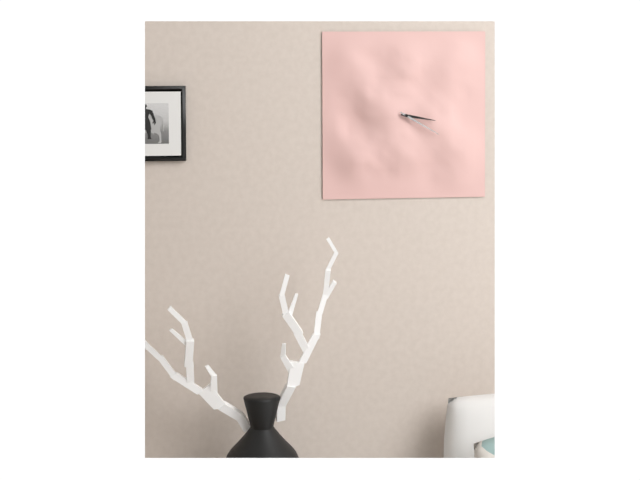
3:20
